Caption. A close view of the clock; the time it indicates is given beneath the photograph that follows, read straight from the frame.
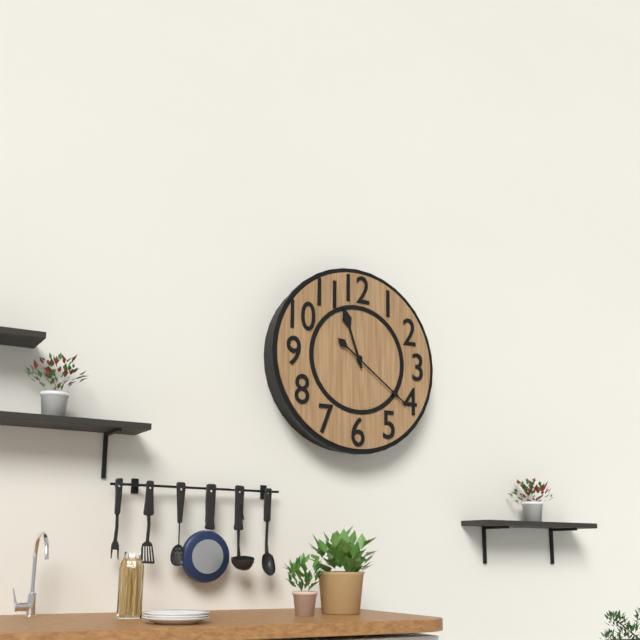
11:21
